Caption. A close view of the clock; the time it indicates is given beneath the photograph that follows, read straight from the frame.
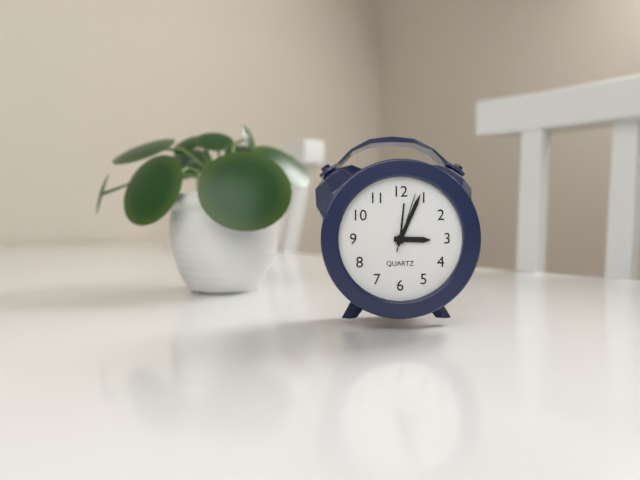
3:04:03
